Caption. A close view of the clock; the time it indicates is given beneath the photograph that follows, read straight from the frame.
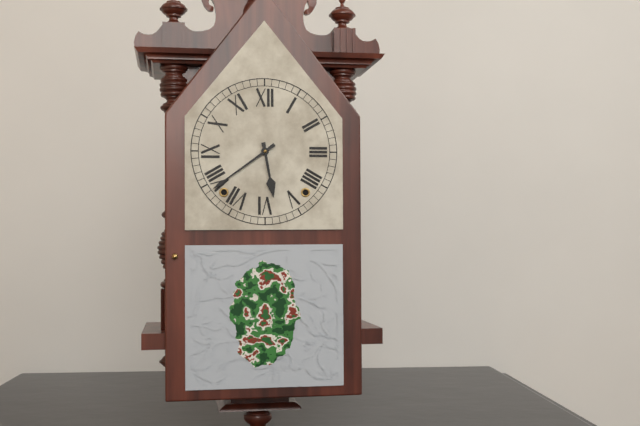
5:39
